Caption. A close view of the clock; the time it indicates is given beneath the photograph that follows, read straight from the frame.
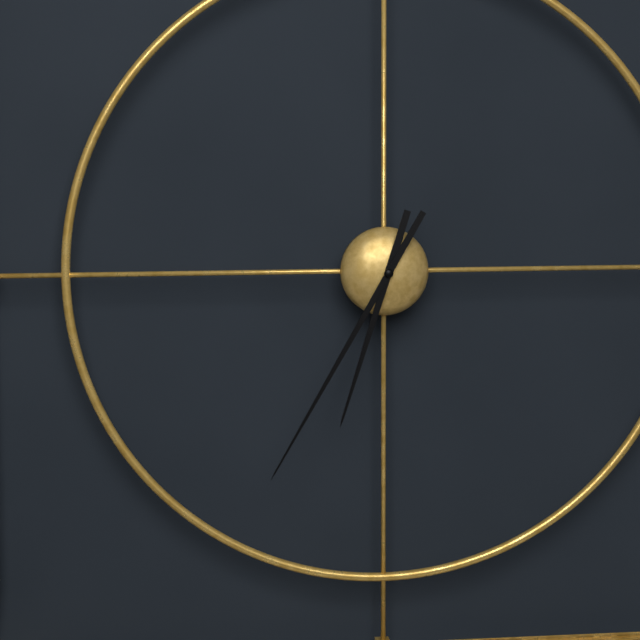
6:35
